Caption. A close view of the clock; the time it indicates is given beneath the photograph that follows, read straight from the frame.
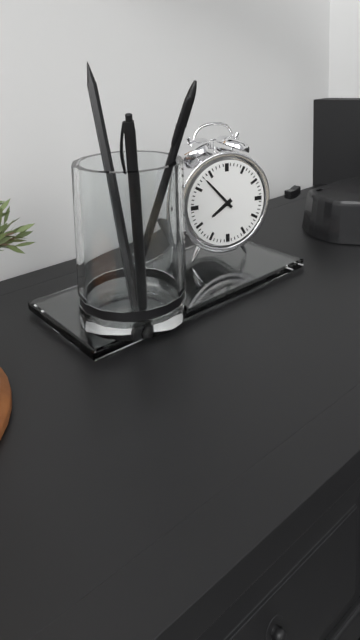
7:53
